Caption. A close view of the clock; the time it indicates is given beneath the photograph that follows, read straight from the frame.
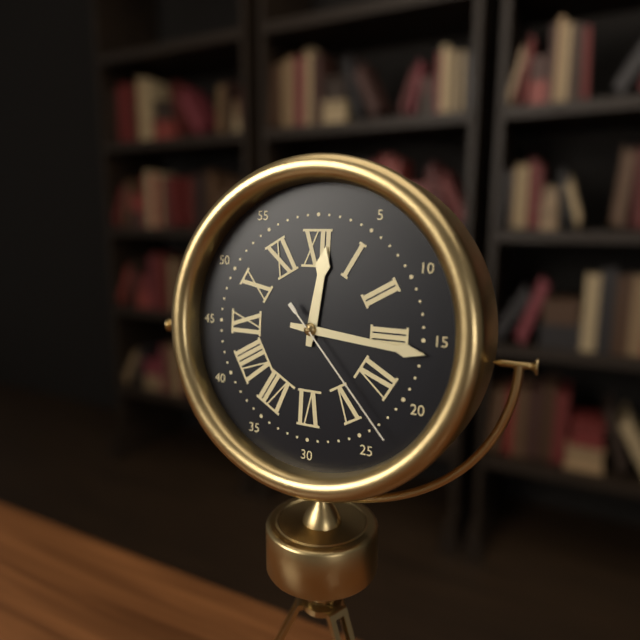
12:16:23
